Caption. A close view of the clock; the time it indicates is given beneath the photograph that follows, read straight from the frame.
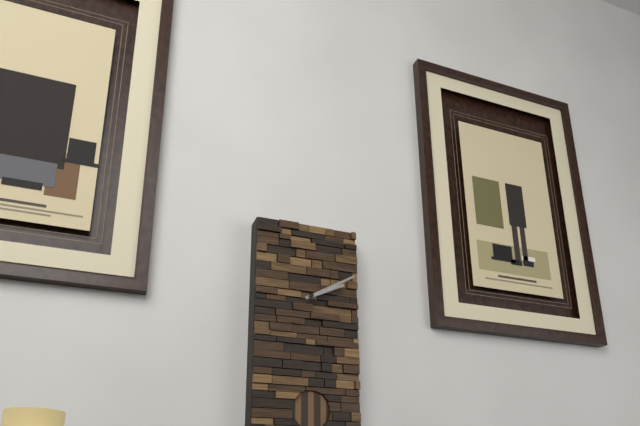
2:10
